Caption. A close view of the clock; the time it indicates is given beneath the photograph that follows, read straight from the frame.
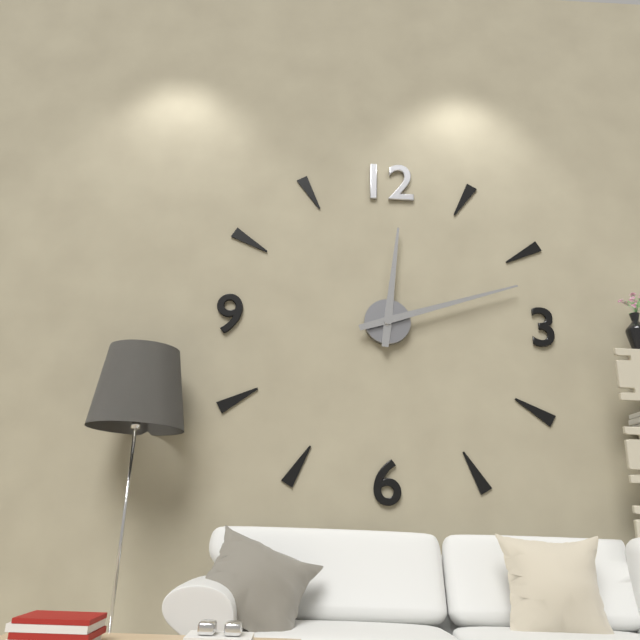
12:12
